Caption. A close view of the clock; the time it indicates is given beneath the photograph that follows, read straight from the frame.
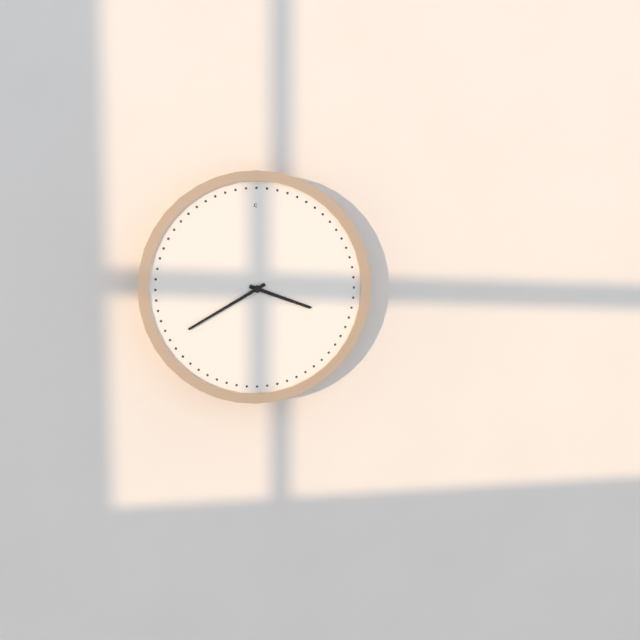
3:40
